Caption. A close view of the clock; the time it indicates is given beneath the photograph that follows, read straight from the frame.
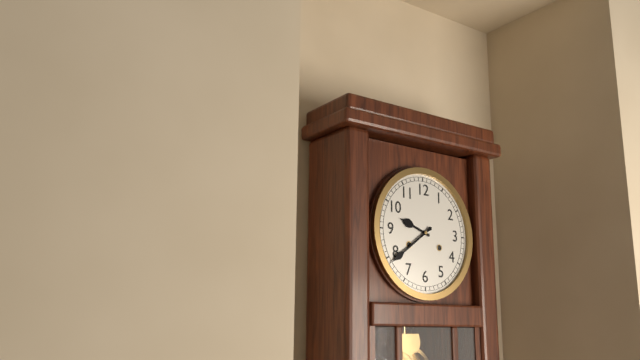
9:39
